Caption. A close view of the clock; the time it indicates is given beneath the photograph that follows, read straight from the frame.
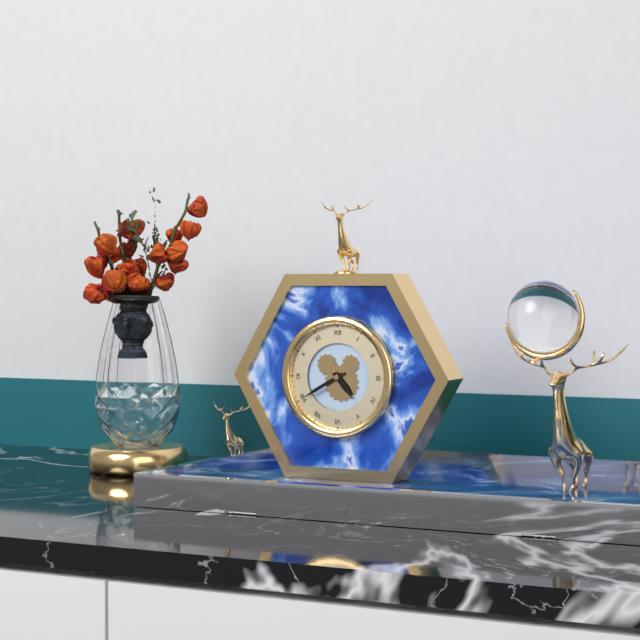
4:40
